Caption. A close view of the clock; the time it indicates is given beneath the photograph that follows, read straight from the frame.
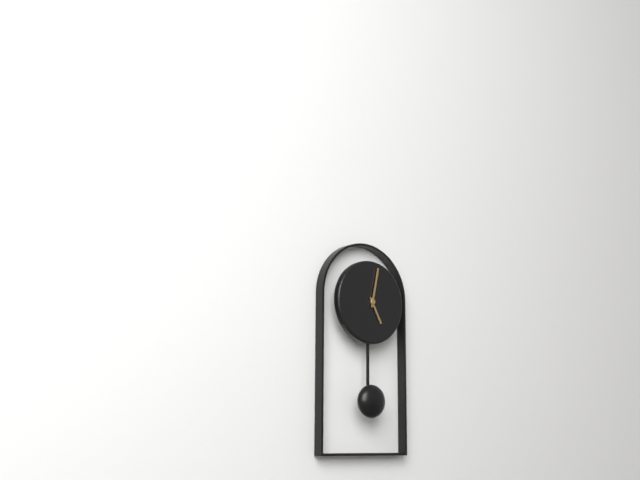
5:02
